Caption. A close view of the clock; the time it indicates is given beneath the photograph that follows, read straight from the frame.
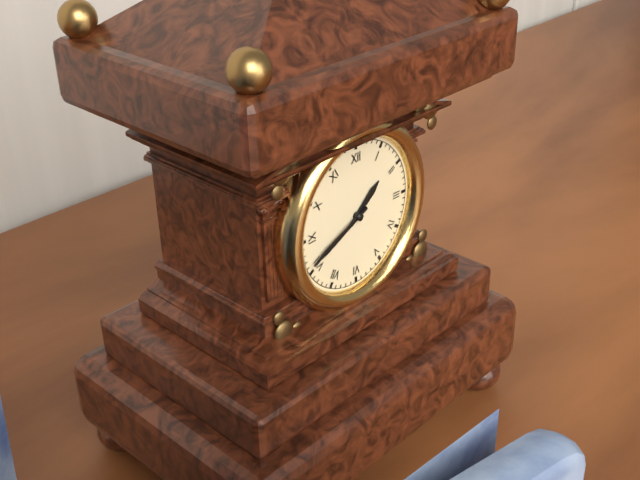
1:41
